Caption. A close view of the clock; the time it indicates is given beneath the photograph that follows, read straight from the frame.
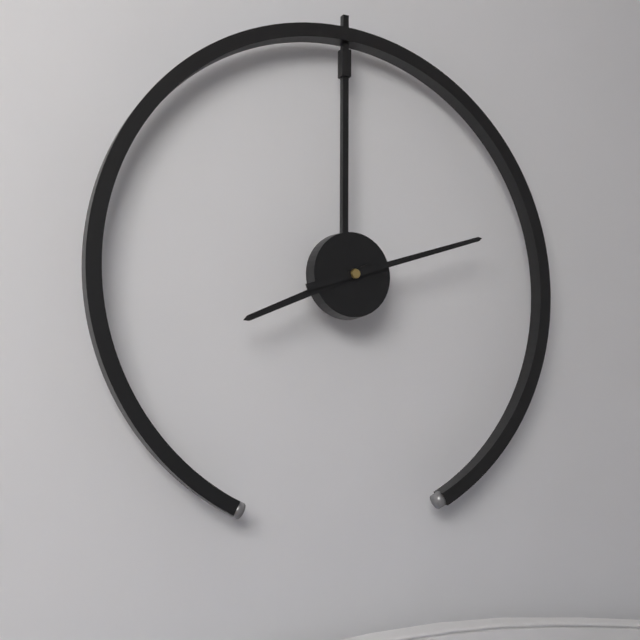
8:12
